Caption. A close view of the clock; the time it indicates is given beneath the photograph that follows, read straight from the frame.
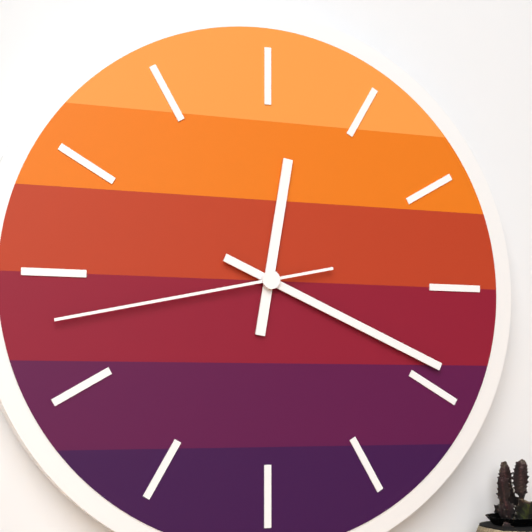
12:19:43
